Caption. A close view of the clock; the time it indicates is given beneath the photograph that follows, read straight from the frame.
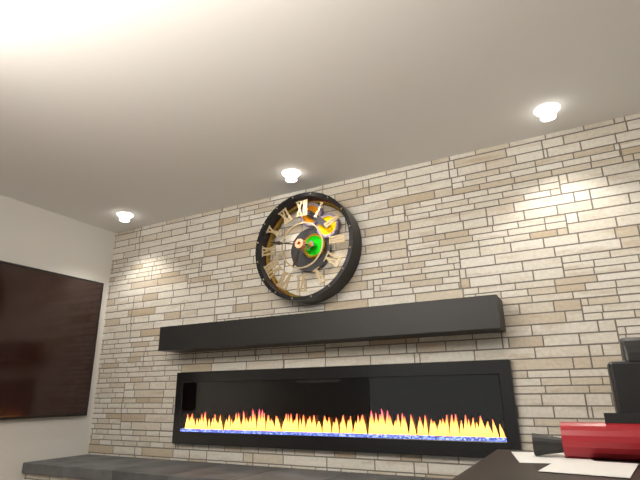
6:47
